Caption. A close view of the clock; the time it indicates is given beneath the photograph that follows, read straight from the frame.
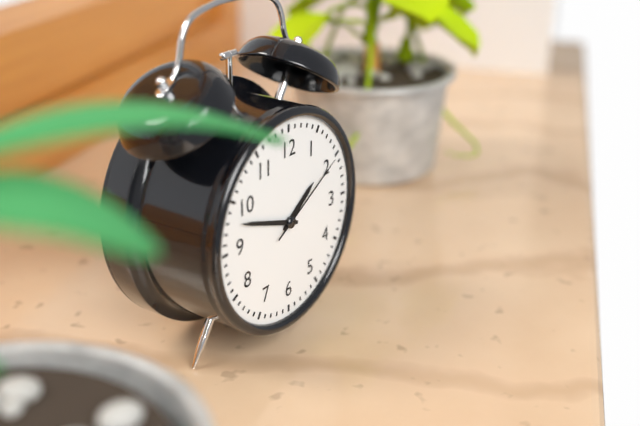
1:48:10
